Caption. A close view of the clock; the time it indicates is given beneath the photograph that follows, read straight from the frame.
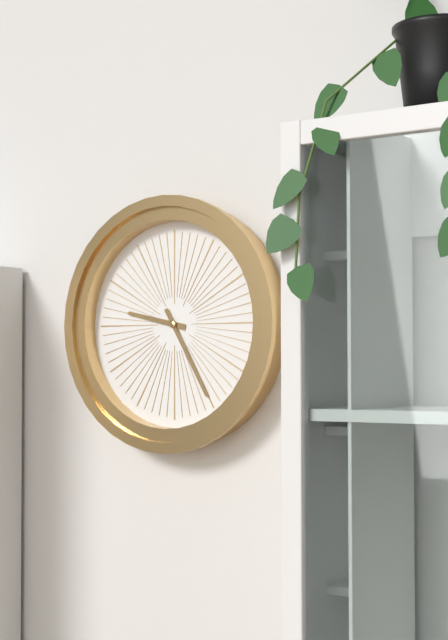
9:25
